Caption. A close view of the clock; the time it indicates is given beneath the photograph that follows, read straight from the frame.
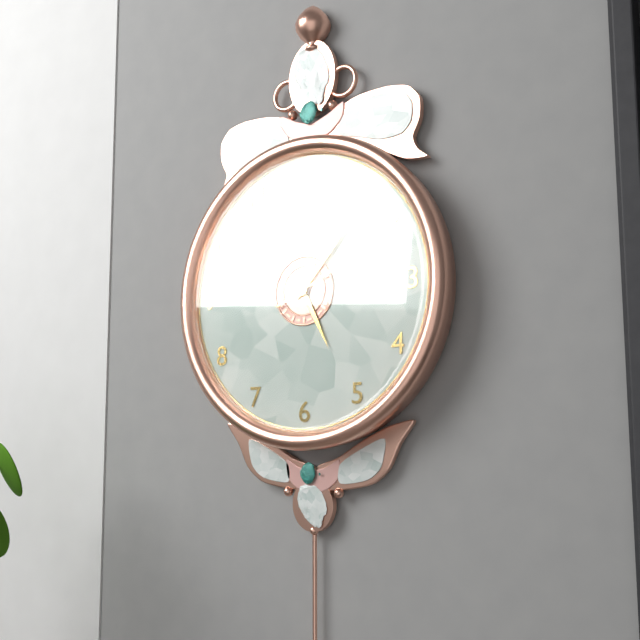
5:07:11
